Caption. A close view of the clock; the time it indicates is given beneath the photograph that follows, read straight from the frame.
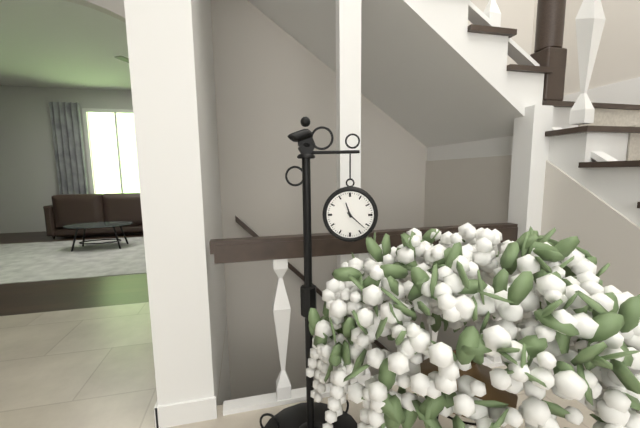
11:22
